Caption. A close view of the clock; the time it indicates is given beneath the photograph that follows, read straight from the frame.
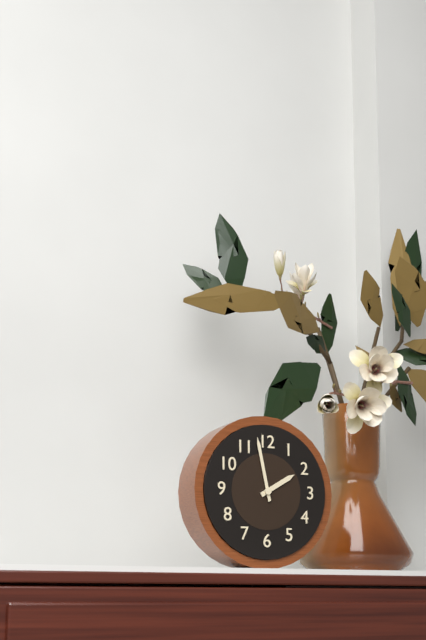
1:58
